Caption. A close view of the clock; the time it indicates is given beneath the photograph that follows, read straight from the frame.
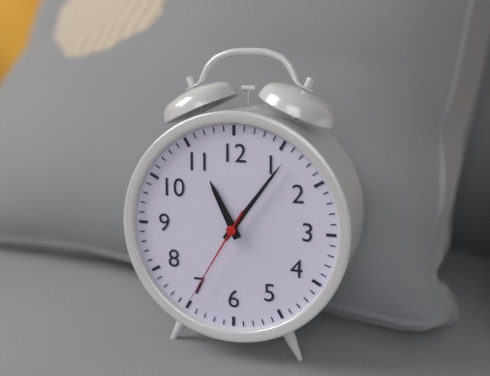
11:06:35
